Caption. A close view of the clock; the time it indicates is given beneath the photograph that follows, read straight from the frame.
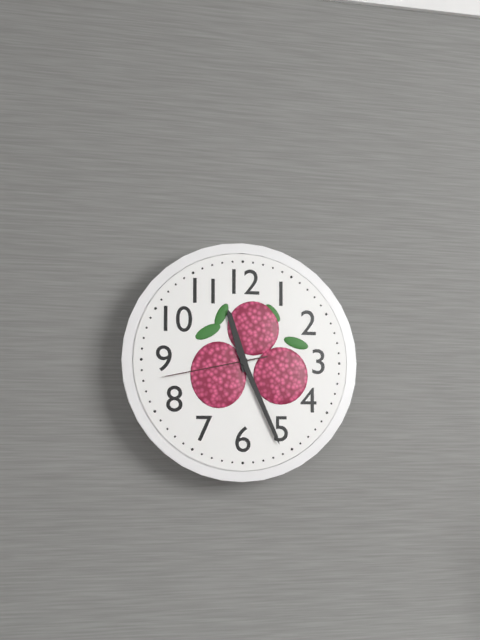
11:26:43
